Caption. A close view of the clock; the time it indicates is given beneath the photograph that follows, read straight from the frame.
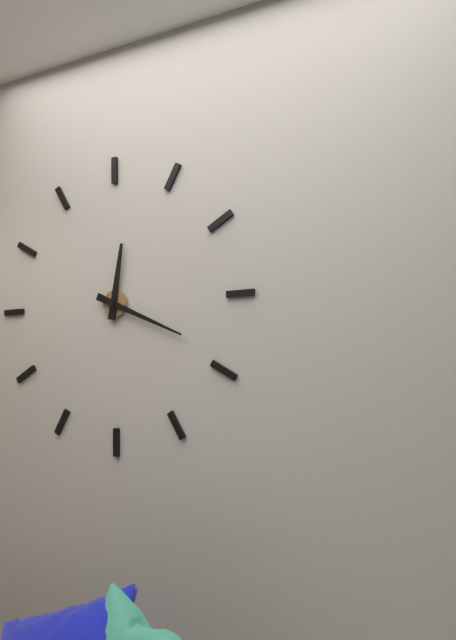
12:19
